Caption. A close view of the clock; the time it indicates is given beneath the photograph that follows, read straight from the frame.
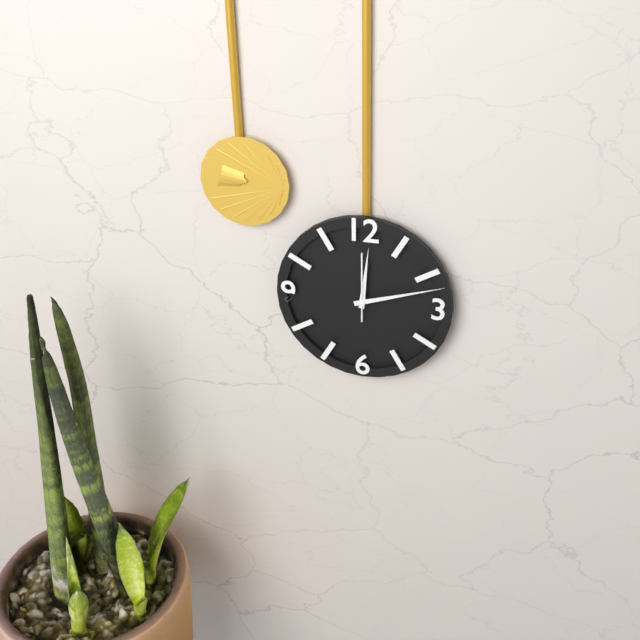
12:12:00
